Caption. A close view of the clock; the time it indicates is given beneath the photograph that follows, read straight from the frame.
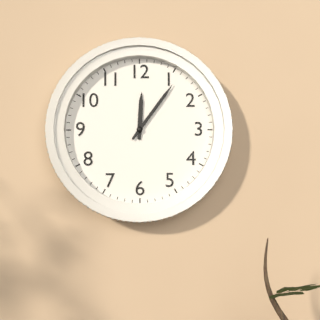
12:06
